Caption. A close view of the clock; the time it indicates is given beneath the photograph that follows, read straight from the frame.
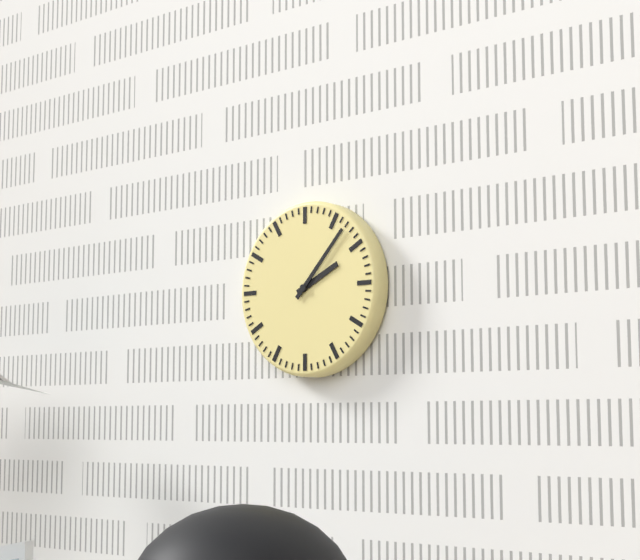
2:07
